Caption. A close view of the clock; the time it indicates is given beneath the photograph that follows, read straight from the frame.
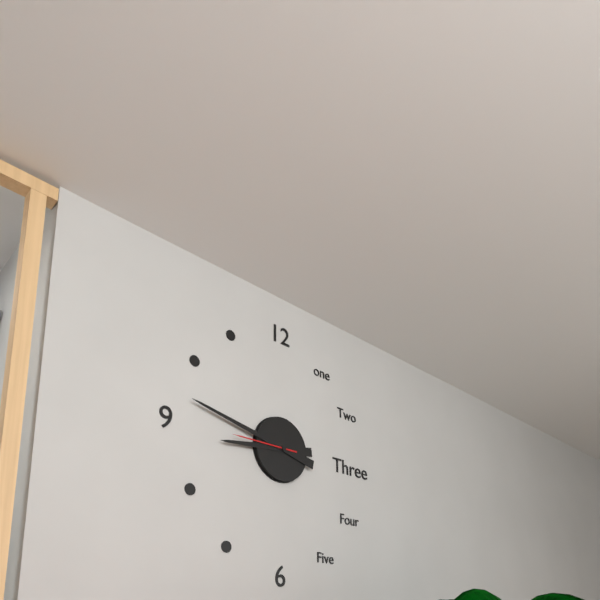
8:47:45
